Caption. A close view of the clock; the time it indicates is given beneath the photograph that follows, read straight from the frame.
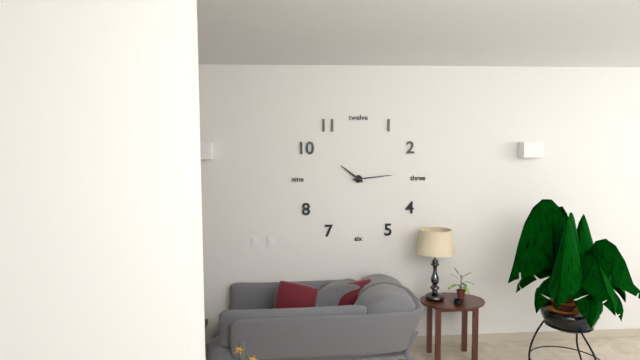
10:14
